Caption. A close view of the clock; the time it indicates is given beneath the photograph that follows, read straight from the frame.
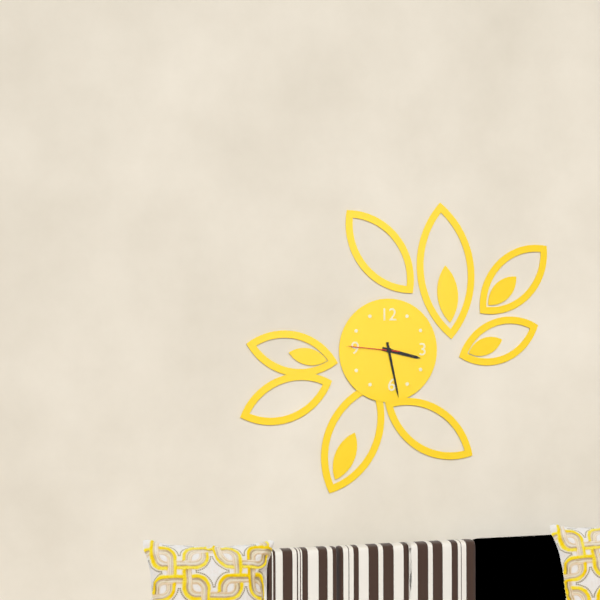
3:28:46
